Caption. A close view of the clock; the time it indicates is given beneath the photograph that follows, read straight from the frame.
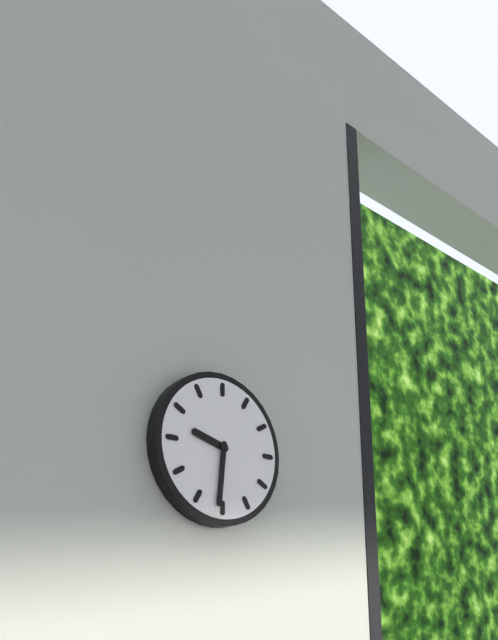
9:31
